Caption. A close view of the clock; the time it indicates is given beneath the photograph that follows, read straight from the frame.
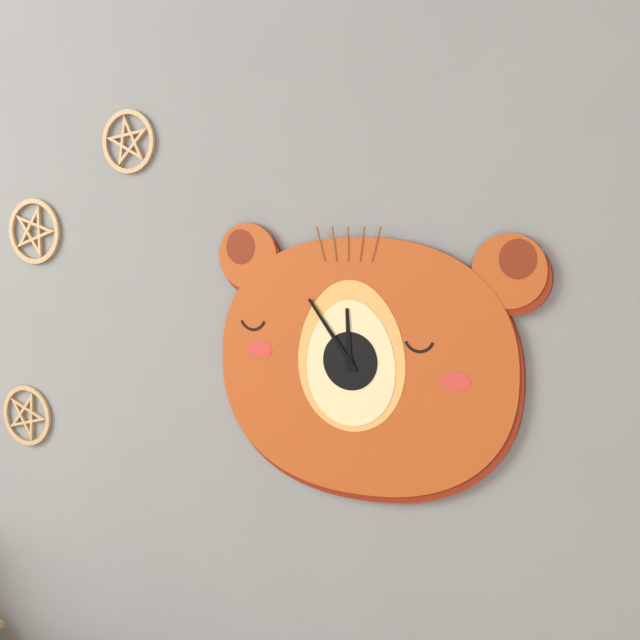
11:54
